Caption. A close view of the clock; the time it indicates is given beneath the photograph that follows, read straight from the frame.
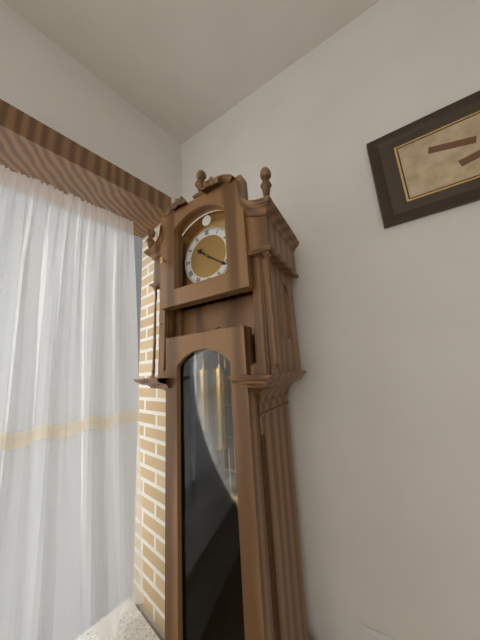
10:21
